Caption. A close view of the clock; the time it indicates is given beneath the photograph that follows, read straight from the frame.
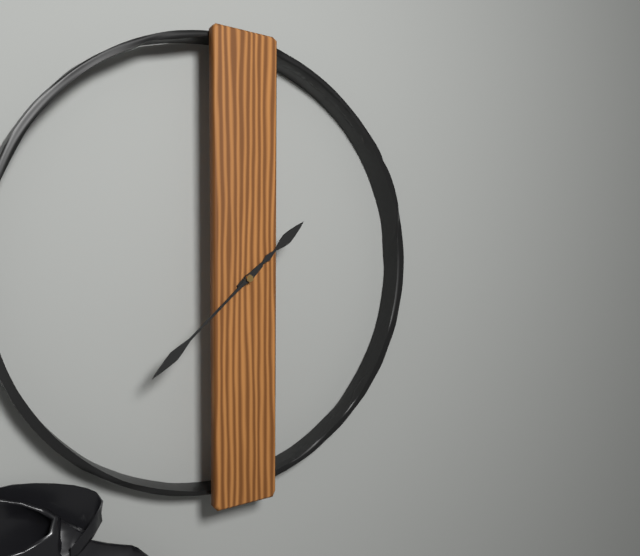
1:38
